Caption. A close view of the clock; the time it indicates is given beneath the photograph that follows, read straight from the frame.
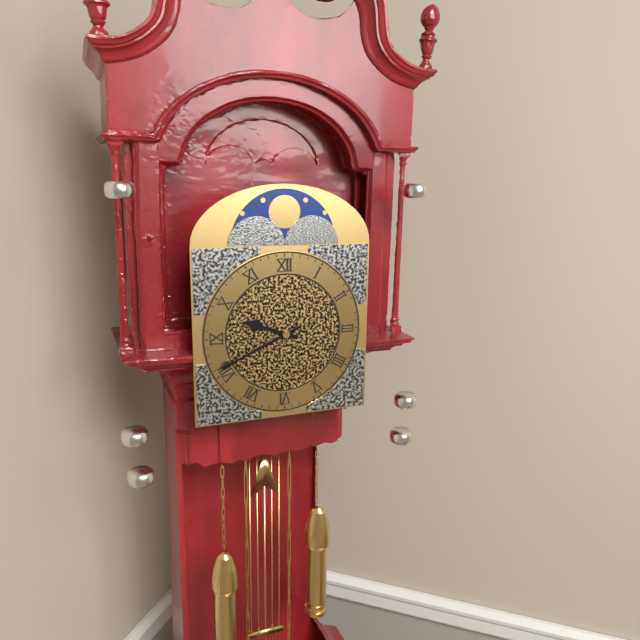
9:41
